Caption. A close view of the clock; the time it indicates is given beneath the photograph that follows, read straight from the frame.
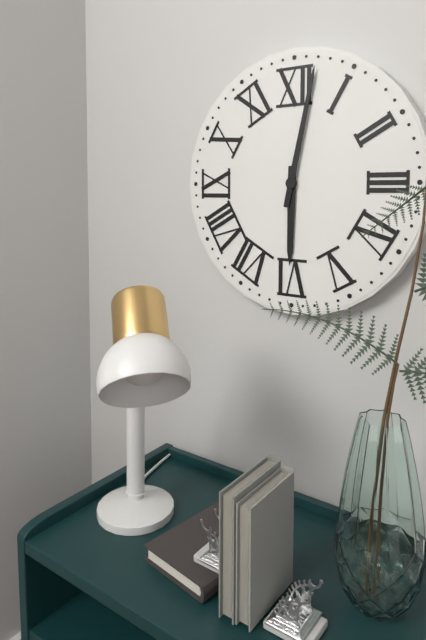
6:02
